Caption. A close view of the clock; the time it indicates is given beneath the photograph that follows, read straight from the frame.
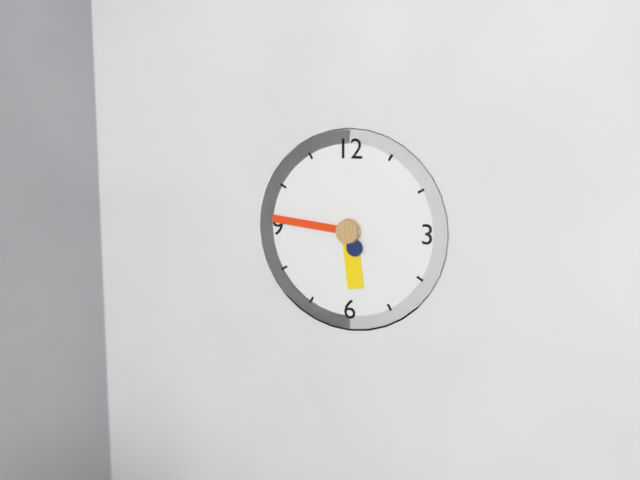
5:46
